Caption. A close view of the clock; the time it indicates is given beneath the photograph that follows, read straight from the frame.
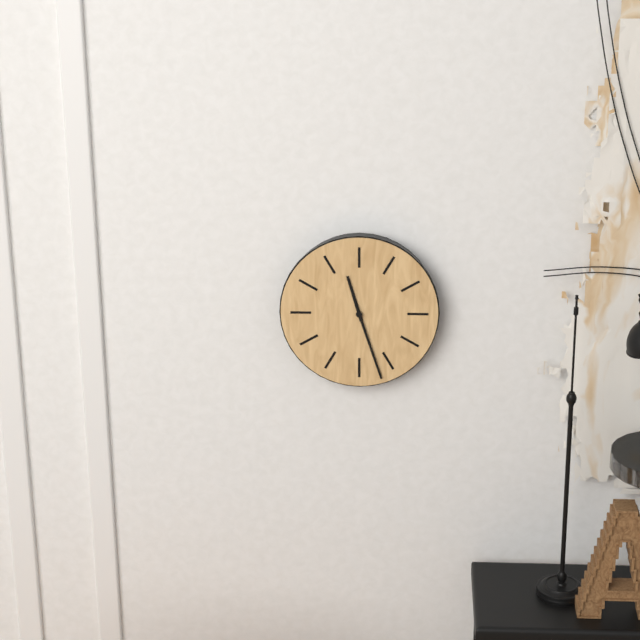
11:27
